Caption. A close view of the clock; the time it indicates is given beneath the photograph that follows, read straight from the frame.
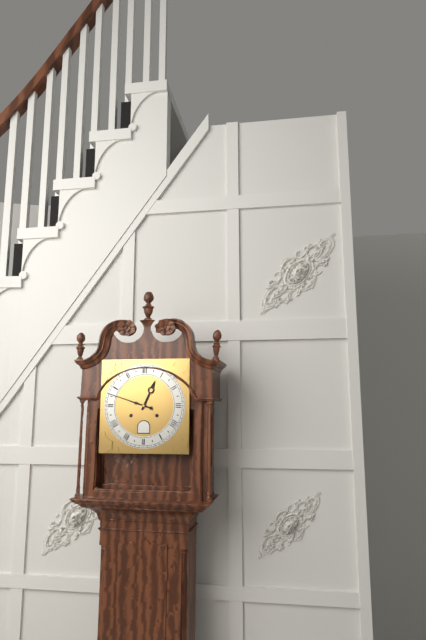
12:48
